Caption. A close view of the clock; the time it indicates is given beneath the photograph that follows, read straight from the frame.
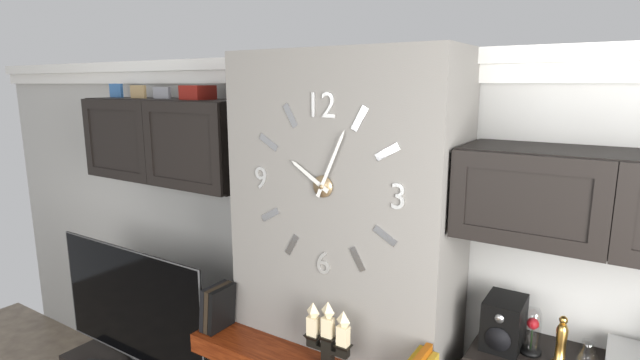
10:04
